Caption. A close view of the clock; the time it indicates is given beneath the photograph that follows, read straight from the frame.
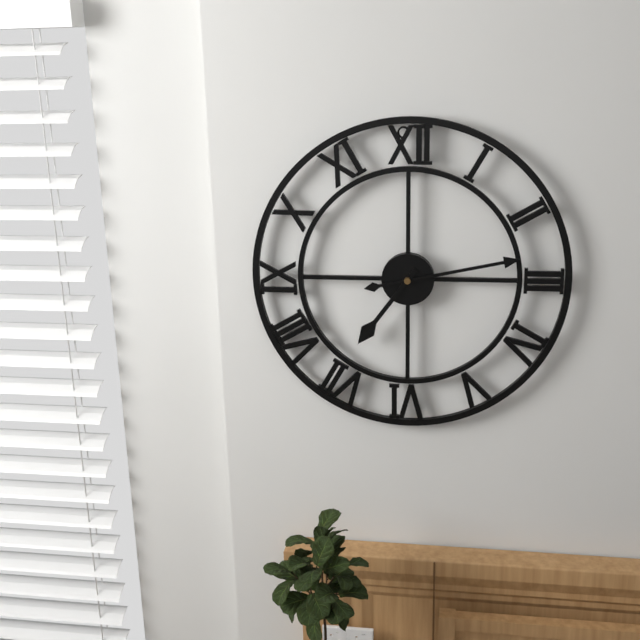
7:13
